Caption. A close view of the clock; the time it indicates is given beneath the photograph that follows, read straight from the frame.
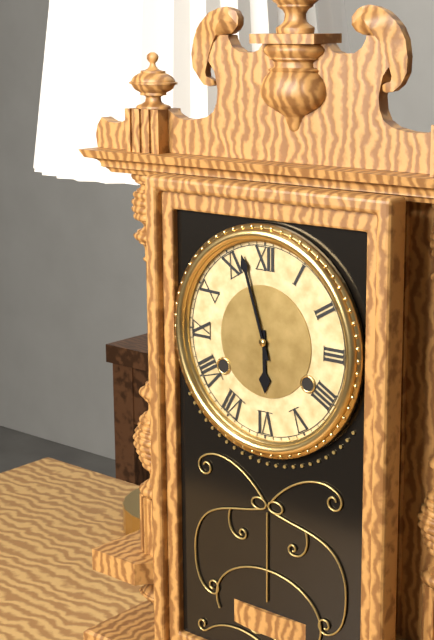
5:57
